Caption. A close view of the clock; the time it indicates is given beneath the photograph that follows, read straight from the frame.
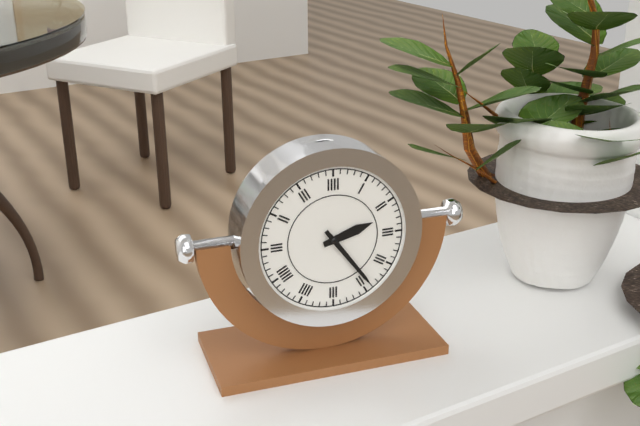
2:24
